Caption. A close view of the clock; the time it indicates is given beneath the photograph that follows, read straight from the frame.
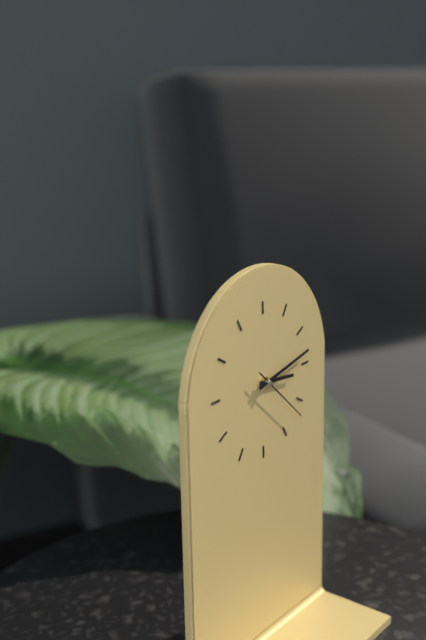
3:13:22
